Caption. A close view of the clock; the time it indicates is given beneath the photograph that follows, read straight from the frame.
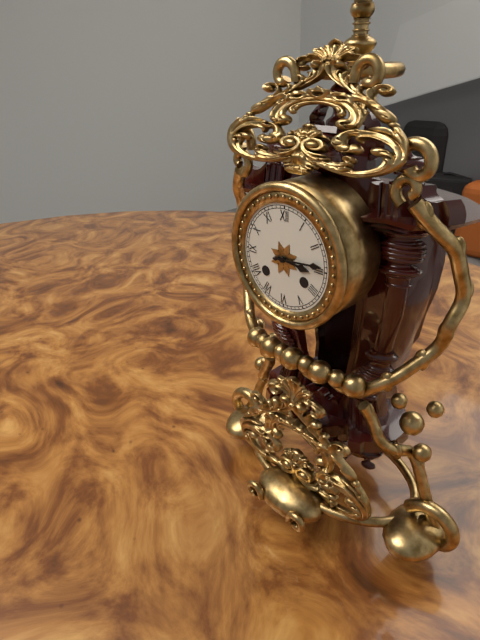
3:14
